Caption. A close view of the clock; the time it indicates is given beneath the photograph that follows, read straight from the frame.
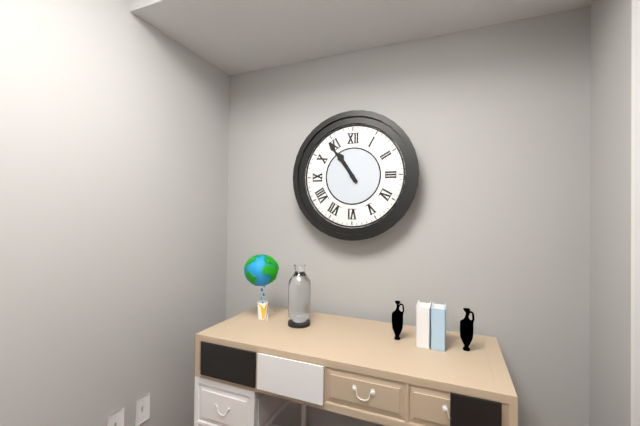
10:54
